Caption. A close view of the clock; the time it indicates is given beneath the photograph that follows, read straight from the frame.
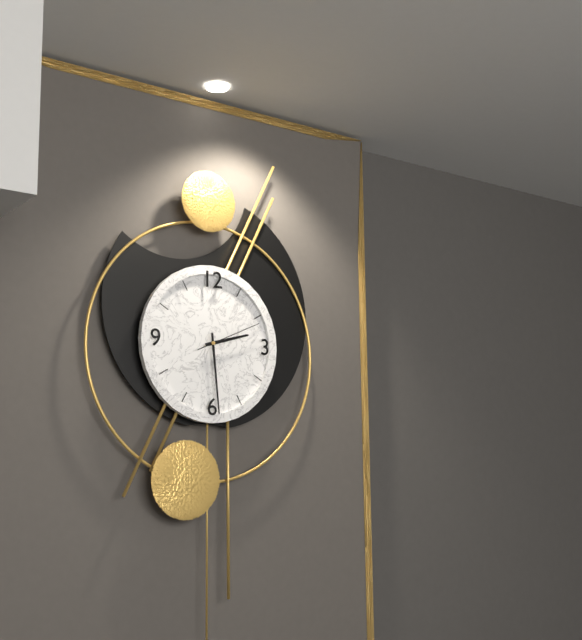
2:29:11
